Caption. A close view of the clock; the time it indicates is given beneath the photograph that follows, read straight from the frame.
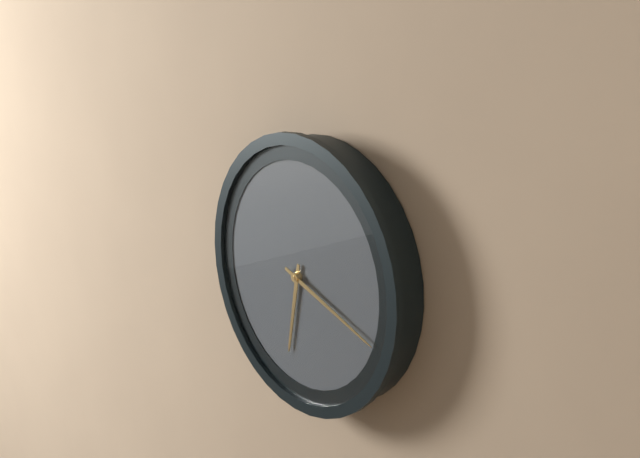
6:18
